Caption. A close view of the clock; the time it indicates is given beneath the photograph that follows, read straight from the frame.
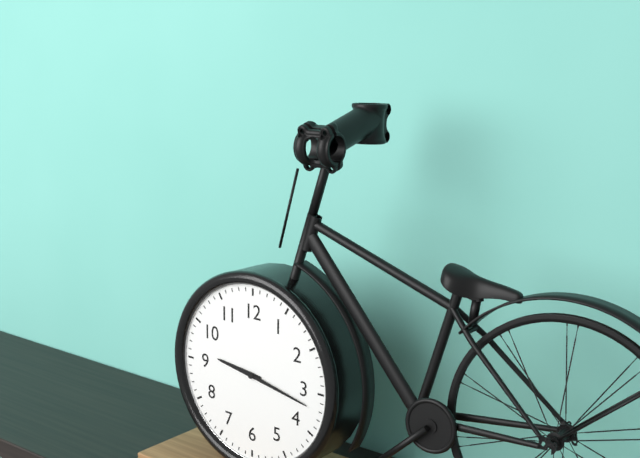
9:17
